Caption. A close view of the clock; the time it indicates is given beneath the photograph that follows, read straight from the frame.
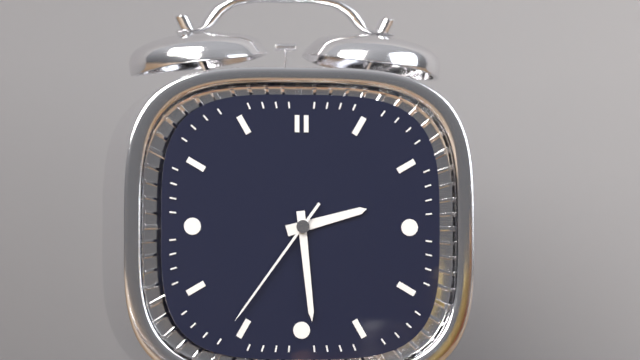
2:29:36
